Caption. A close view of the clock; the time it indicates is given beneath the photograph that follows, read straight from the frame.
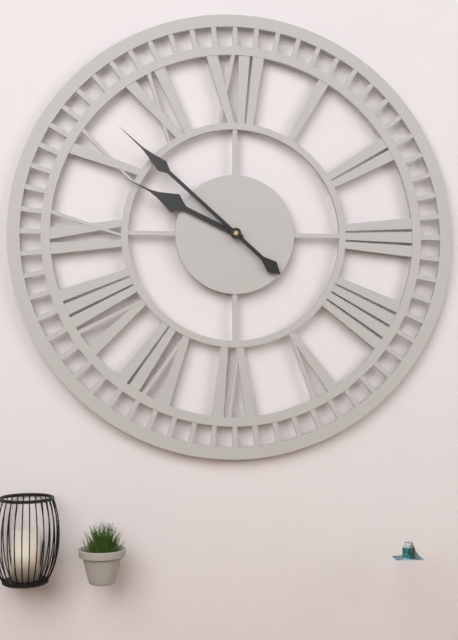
9:52
